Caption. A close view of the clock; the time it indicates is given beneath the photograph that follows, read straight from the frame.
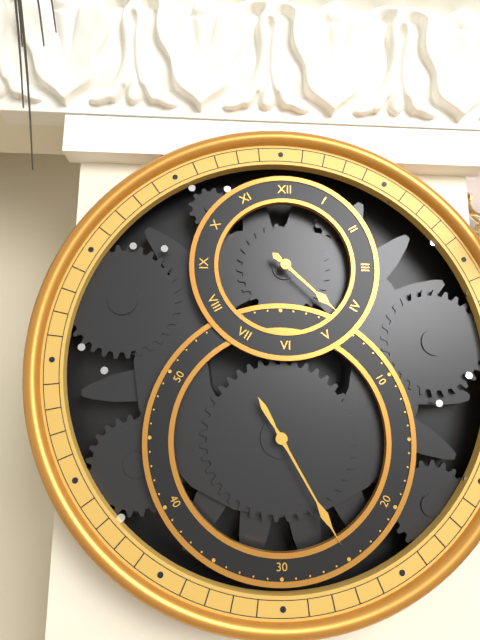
4:25
